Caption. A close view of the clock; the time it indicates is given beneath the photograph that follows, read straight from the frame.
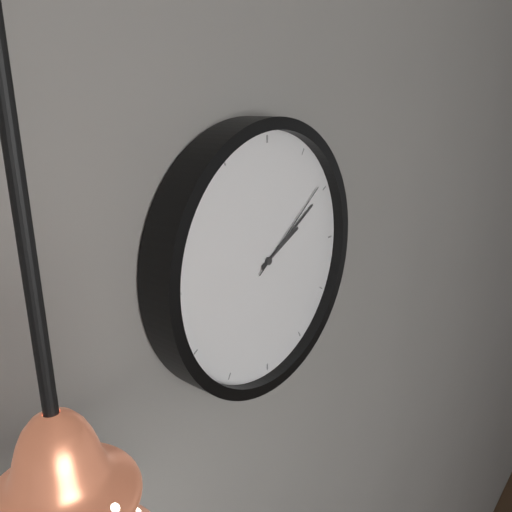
2:10:09
